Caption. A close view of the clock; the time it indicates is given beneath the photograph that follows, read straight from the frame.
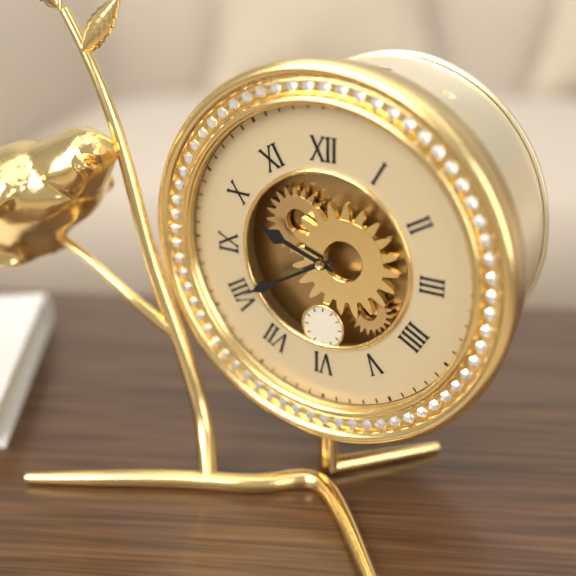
9:40
